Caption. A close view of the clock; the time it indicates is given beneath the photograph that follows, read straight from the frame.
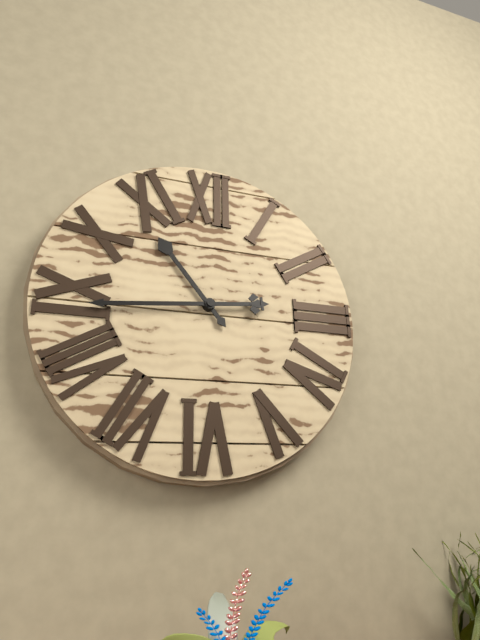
10:44
